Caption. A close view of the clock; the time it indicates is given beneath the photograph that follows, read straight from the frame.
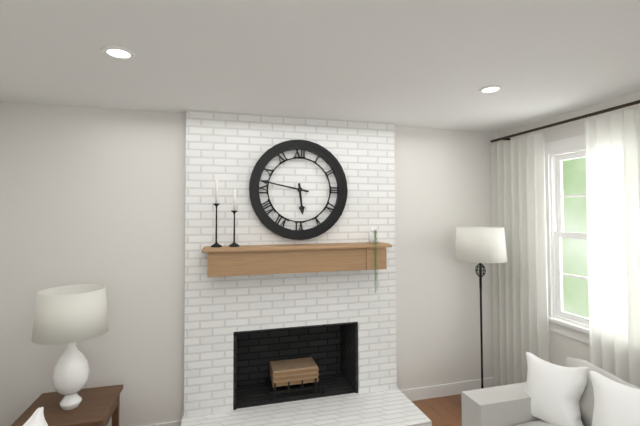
5:47
